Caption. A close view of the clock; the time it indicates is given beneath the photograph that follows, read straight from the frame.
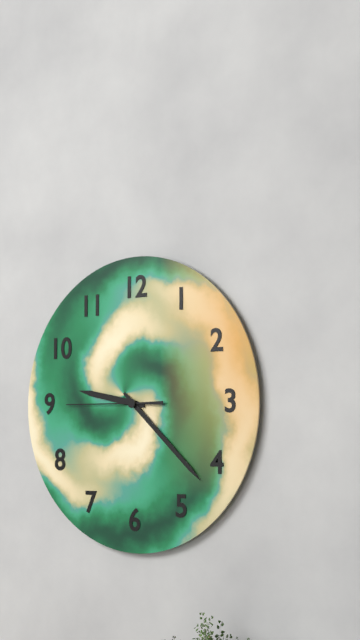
9:22:45
